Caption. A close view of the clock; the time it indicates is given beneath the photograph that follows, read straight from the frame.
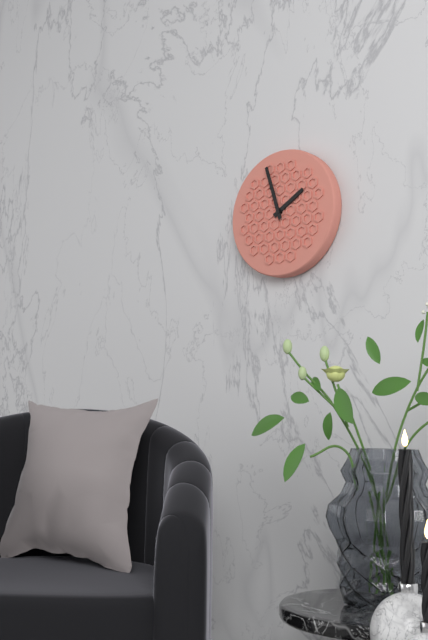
1:57
